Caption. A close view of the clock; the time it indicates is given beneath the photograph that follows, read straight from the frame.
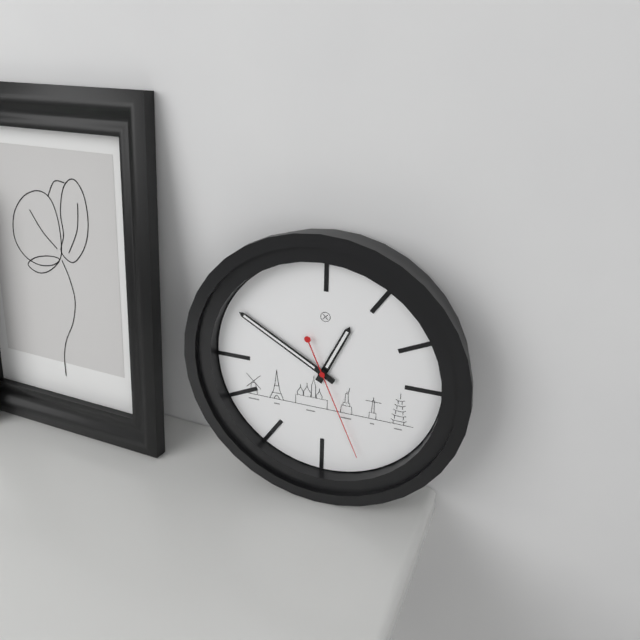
12:50:26
